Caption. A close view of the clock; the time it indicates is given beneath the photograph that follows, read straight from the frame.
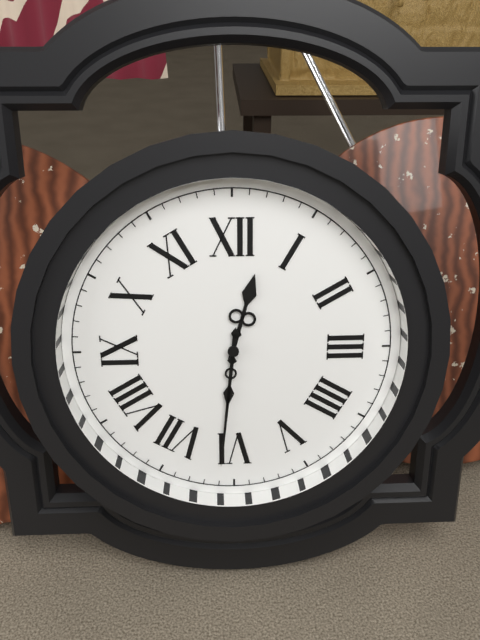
12:31
